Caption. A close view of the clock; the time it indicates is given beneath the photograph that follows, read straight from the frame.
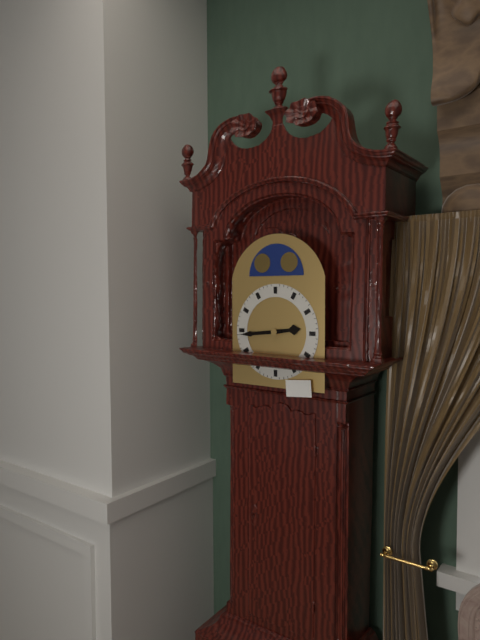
2:44
